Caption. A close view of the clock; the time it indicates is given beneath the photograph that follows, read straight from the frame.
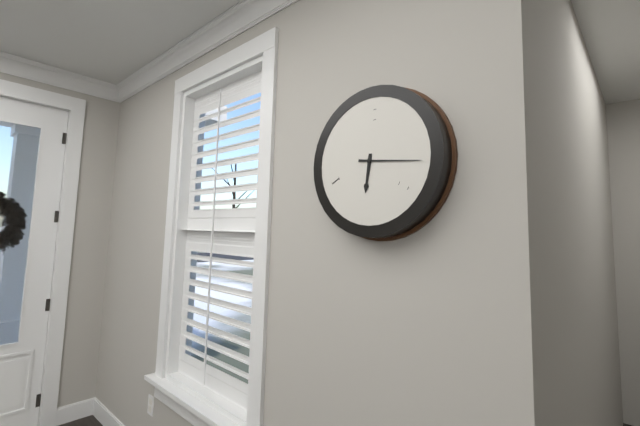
6:16
